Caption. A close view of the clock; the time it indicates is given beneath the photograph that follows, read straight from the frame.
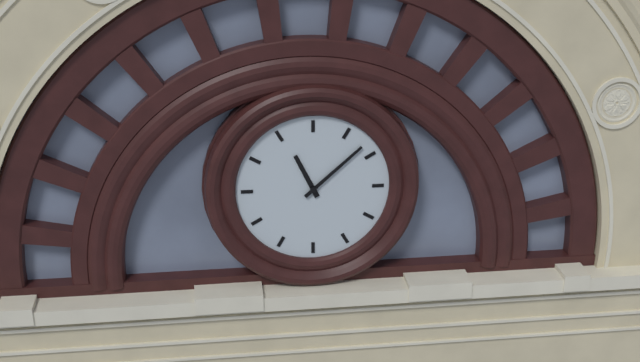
11:08
